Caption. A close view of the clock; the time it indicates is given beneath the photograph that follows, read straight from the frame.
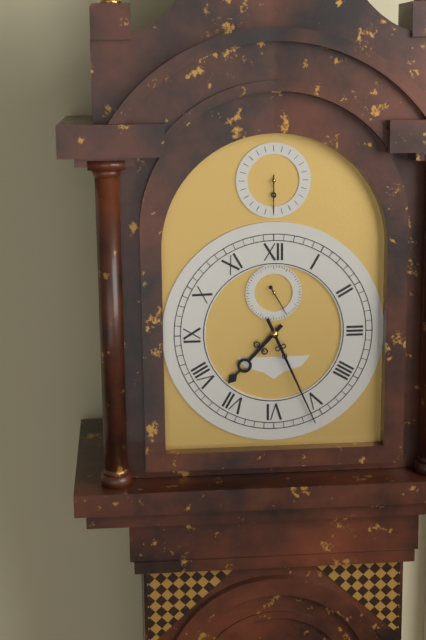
7:26
